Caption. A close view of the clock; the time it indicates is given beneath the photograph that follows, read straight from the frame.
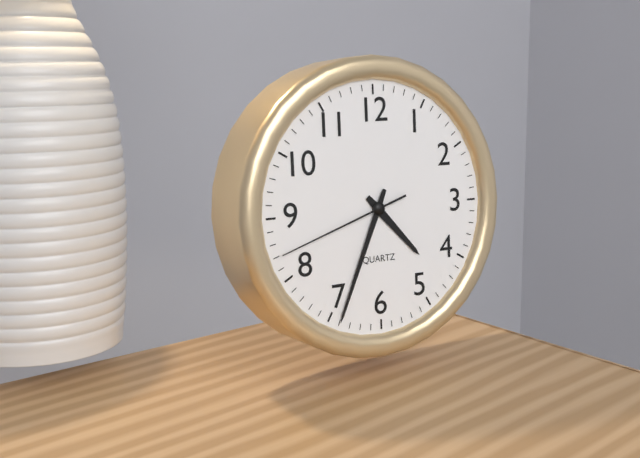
4:34:42
